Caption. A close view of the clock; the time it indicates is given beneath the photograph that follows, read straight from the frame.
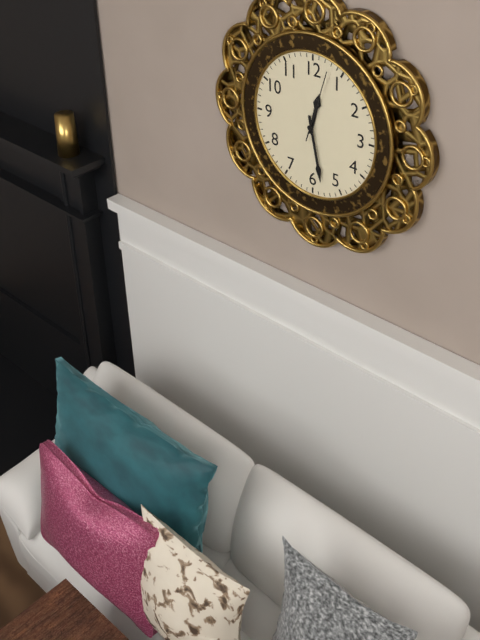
12:28:03
